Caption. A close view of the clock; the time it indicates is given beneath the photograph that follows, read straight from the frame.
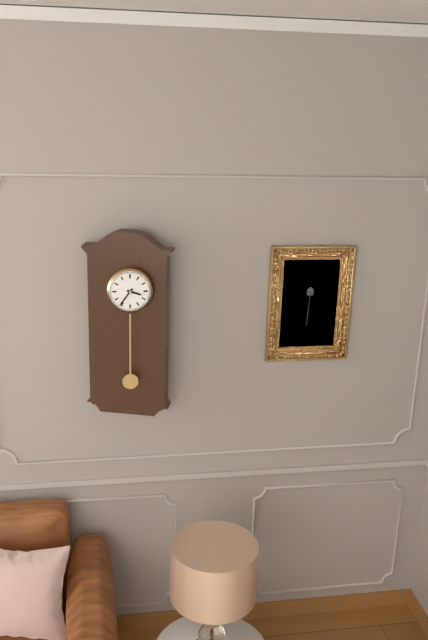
3:36
